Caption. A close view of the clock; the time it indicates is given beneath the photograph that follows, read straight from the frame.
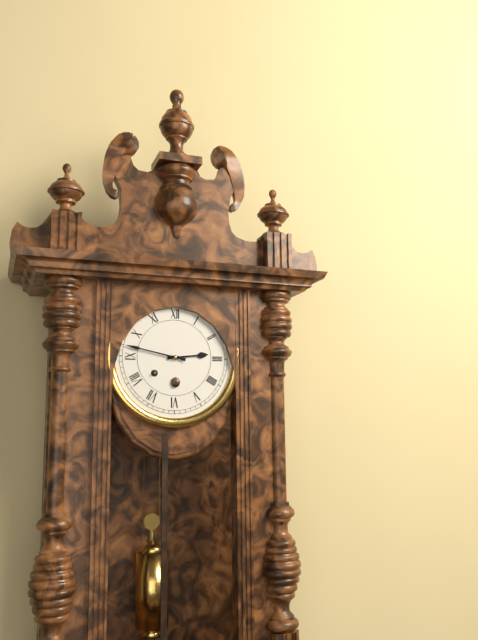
2:47
